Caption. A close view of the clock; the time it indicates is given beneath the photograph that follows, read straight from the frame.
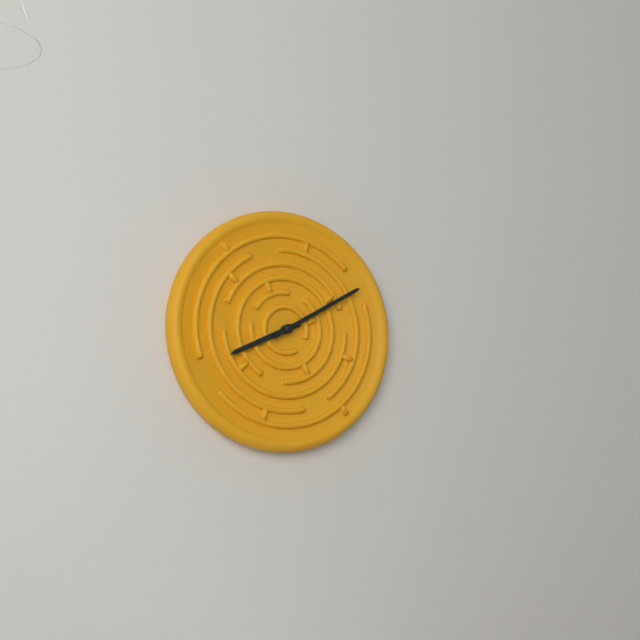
8:10
